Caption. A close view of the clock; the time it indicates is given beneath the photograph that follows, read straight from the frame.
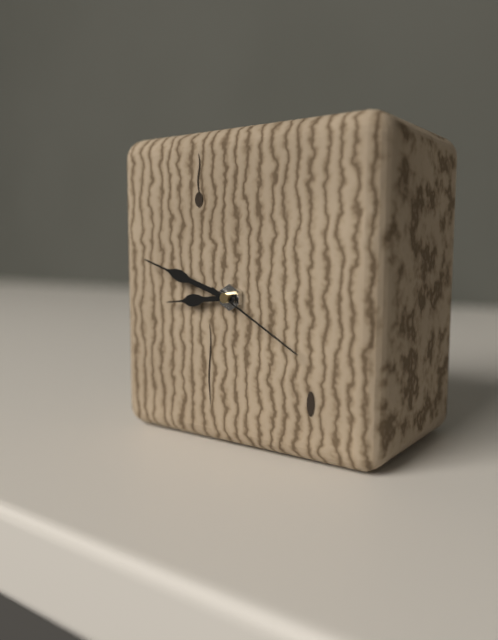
8:48:20
